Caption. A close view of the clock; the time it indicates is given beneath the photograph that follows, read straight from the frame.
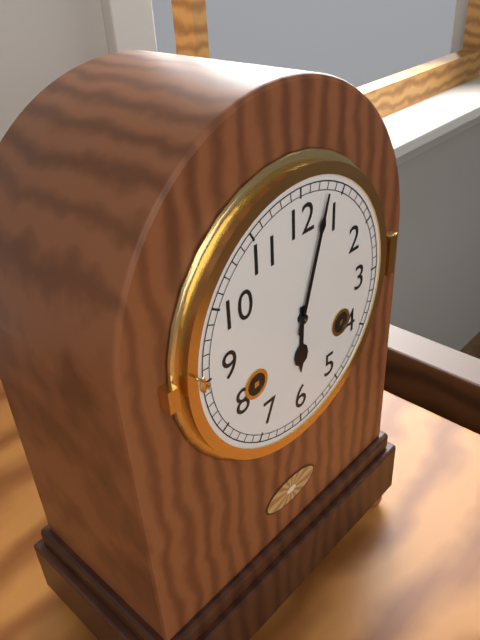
6:03
